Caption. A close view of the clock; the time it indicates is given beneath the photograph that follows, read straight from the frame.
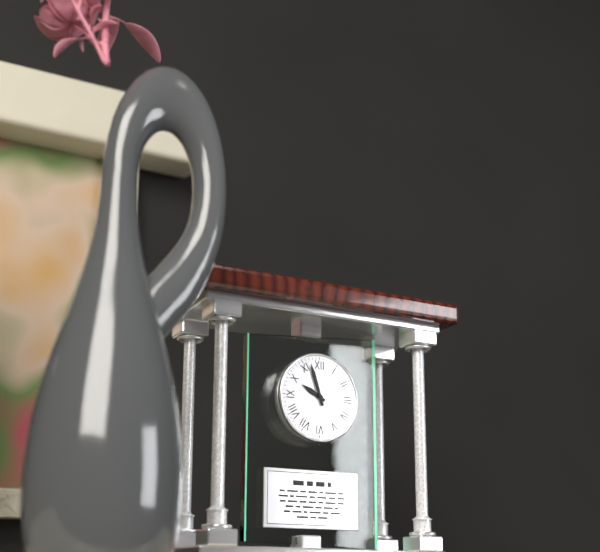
9:57
